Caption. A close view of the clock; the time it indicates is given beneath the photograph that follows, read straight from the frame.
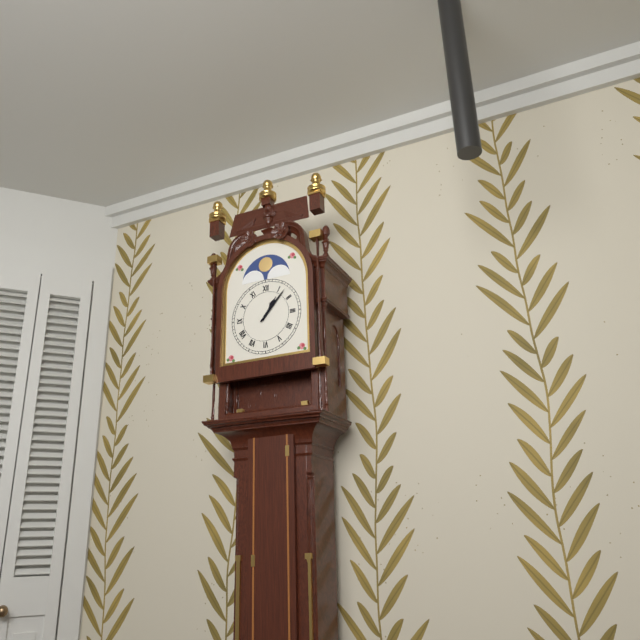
1:07
